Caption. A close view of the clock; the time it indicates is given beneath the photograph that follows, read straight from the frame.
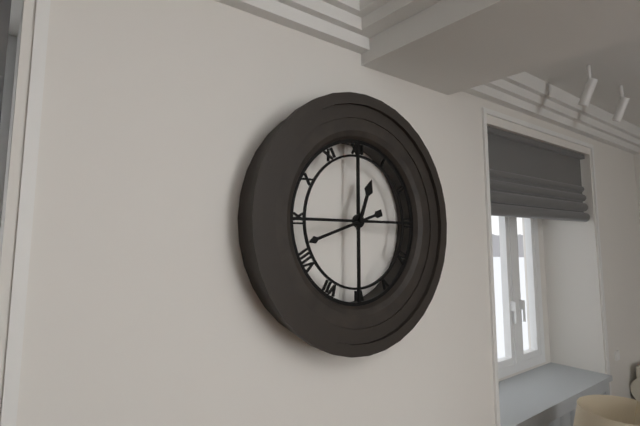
12:42
